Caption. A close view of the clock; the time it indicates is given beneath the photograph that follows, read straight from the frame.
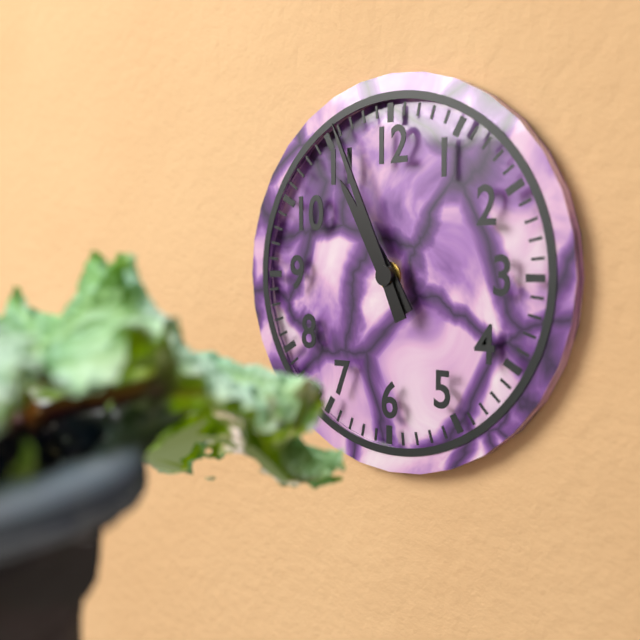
10:56
